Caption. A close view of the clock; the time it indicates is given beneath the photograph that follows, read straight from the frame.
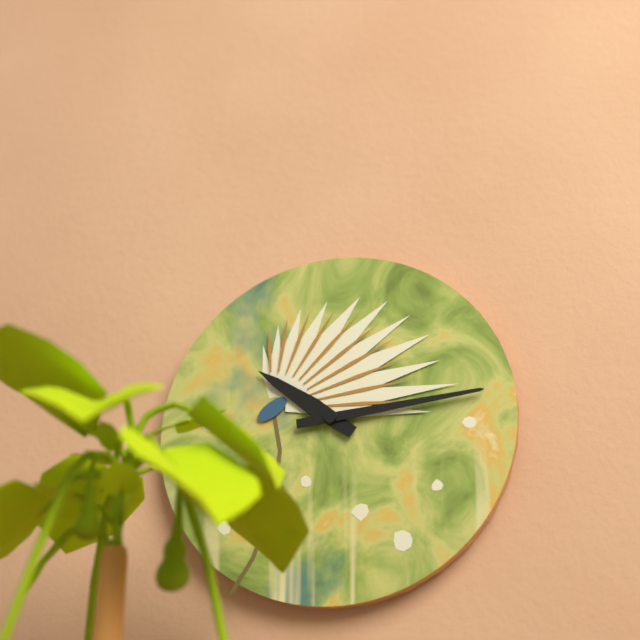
10:14
